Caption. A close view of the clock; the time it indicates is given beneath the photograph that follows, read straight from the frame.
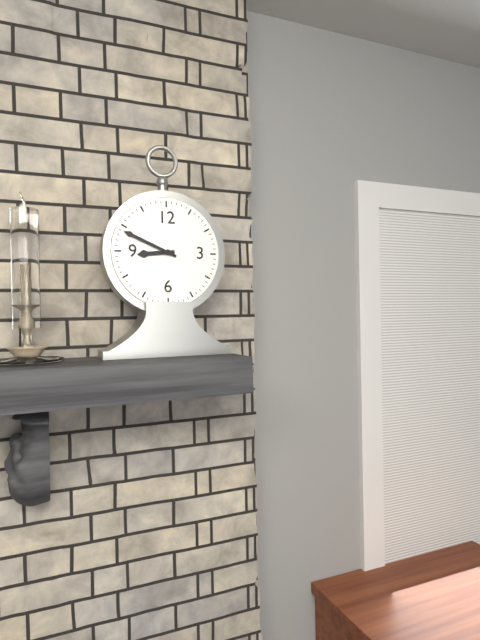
8:49
